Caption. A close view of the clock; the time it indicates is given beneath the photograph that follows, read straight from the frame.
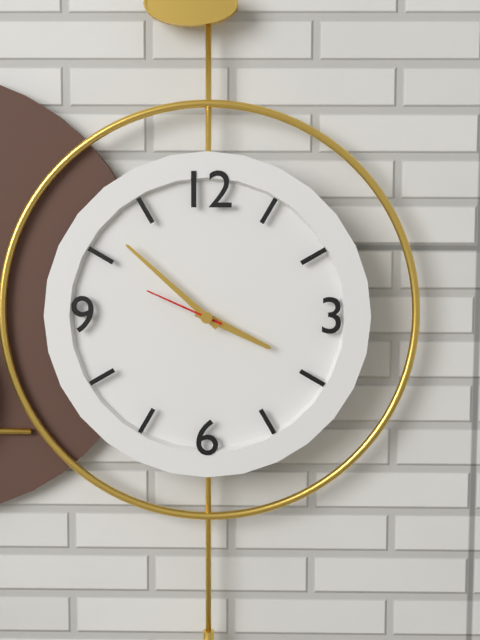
3:52:49
